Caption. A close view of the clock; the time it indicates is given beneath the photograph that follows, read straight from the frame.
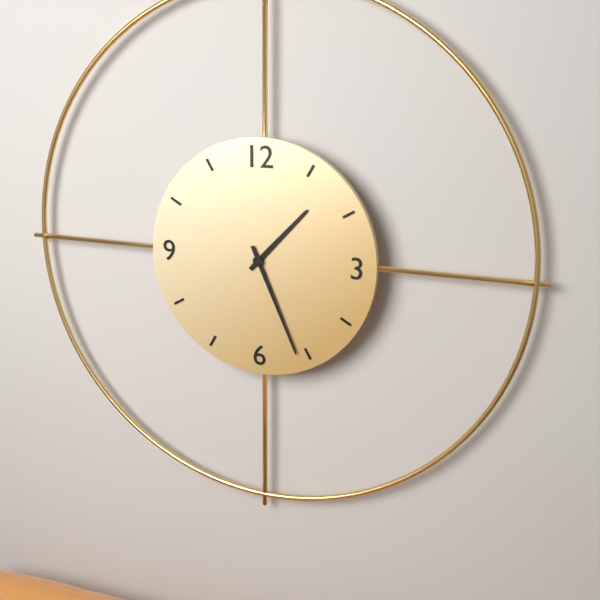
1:26
